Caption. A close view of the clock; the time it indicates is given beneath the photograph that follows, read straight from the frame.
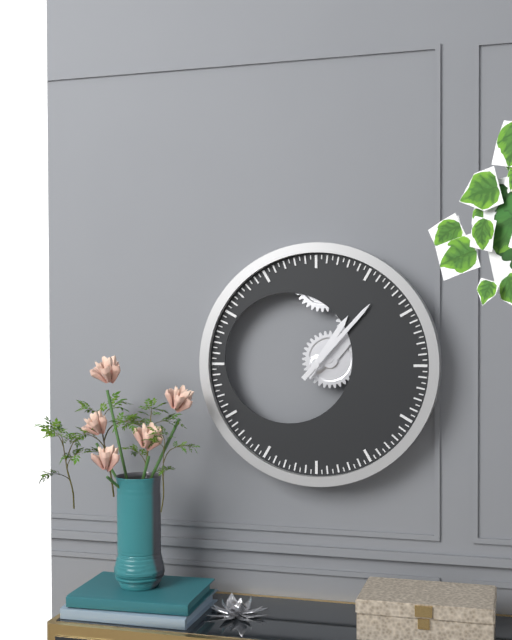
1:07
